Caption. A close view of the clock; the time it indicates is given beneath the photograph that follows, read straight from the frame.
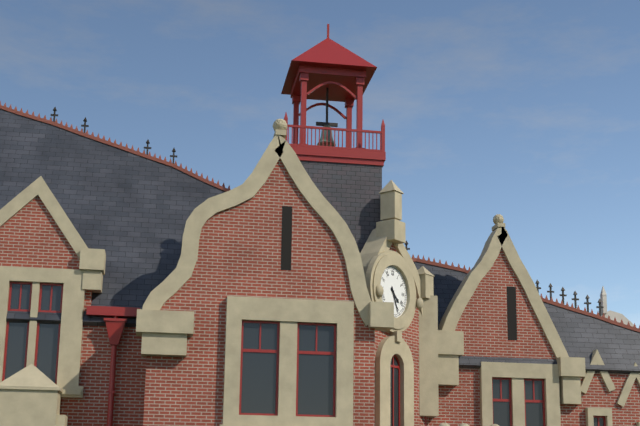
4:26
